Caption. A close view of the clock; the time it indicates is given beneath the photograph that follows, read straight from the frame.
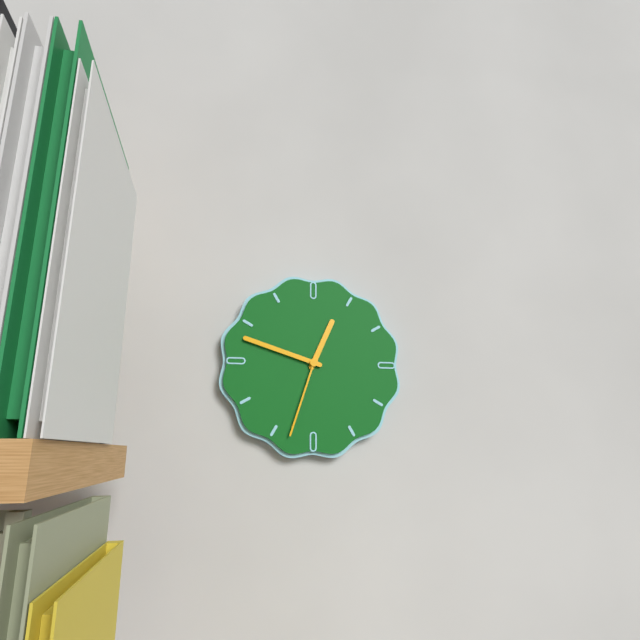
12:48:33
